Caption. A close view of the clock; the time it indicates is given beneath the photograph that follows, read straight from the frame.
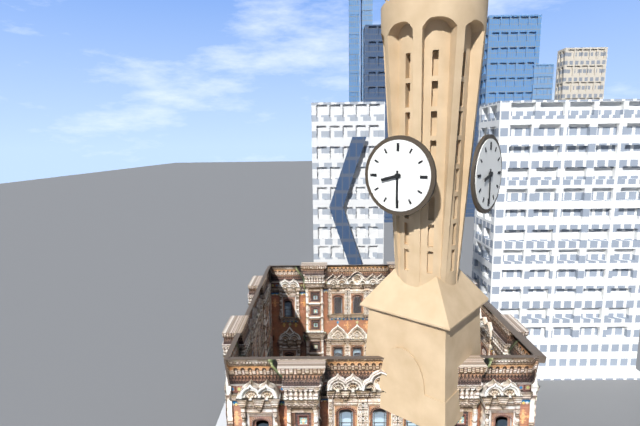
8:30
